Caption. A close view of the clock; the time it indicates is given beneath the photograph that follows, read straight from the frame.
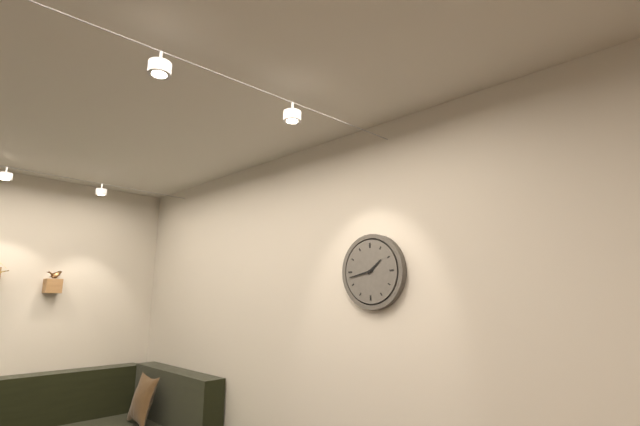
1:43
